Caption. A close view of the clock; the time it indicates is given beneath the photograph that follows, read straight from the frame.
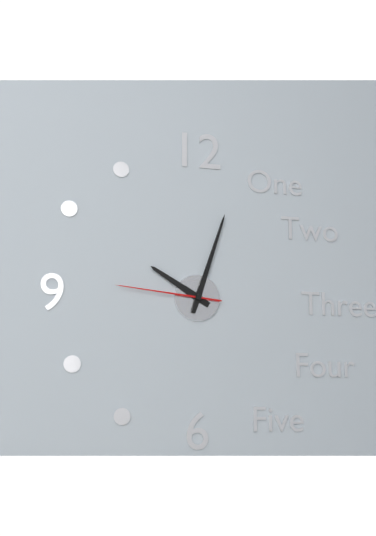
10:03:46
